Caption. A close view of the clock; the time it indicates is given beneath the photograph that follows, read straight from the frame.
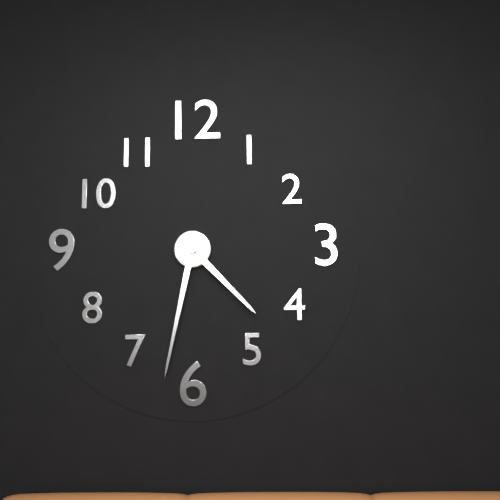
4:32
